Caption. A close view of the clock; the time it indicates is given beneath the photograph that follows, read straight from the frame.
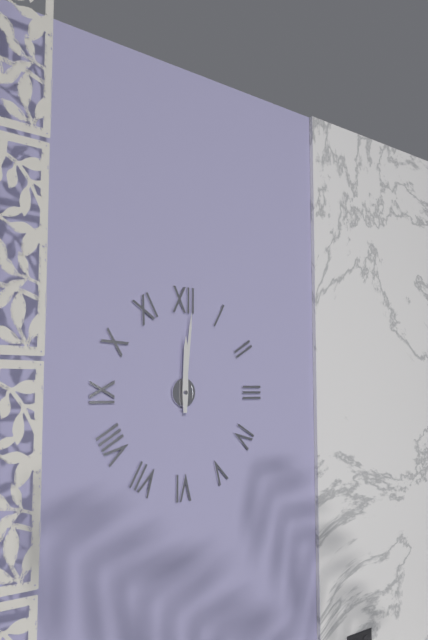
12:01
